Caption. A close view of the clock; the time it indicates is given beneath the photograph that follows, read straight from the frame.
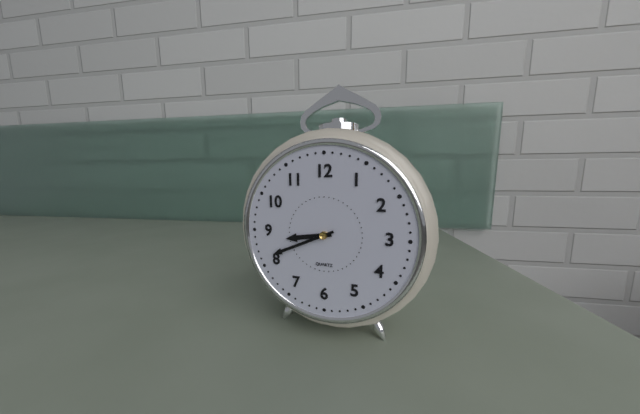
8:41
